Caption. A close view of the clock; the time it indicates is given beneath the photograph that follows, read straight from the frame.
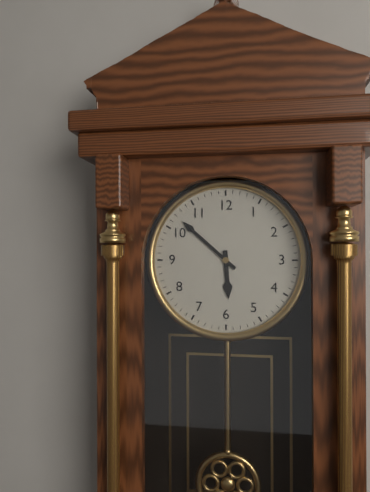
5:52
